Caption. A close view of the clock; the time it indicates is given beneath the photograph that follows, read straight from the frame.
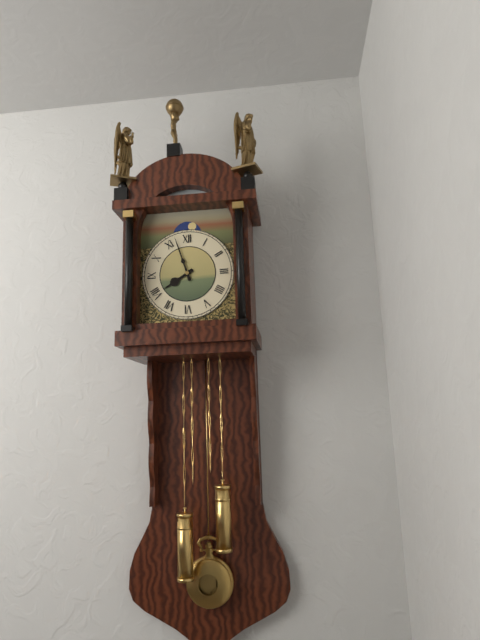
7:57
